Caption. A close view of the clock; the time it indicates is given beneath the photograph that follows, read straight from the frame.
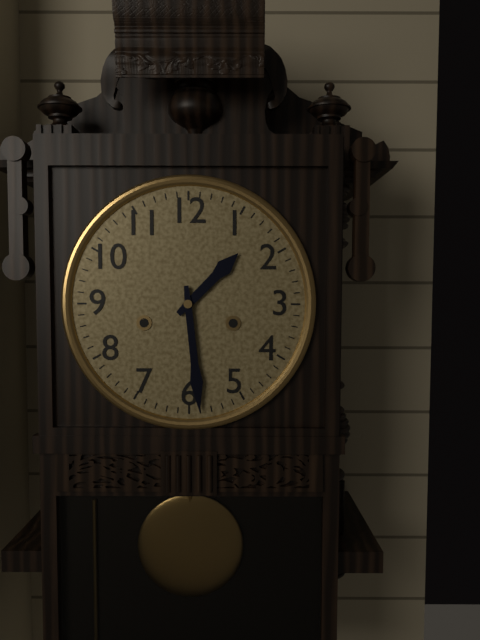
1:29
